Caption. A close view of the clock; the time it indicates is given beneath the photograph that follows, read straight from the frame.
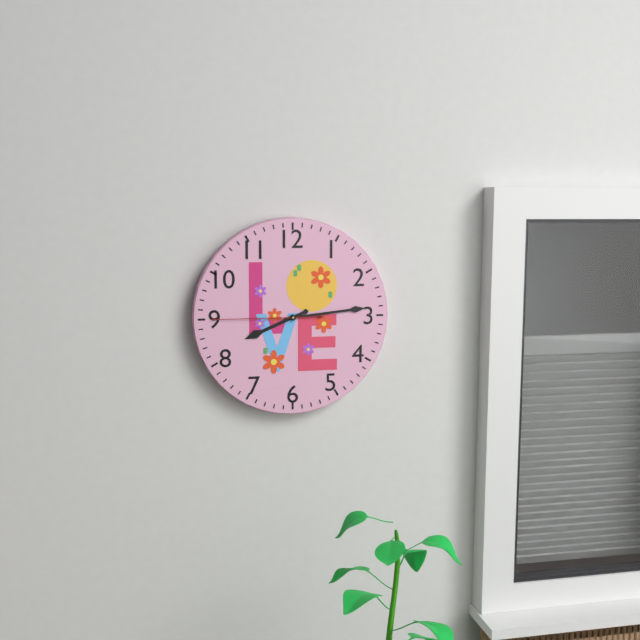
8:14:45
